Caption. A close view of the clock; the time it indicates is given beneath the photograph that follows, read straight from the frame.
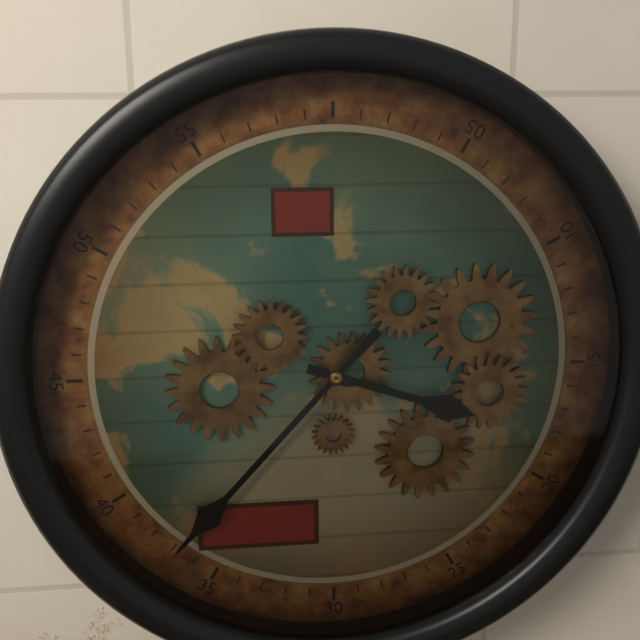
3:37
